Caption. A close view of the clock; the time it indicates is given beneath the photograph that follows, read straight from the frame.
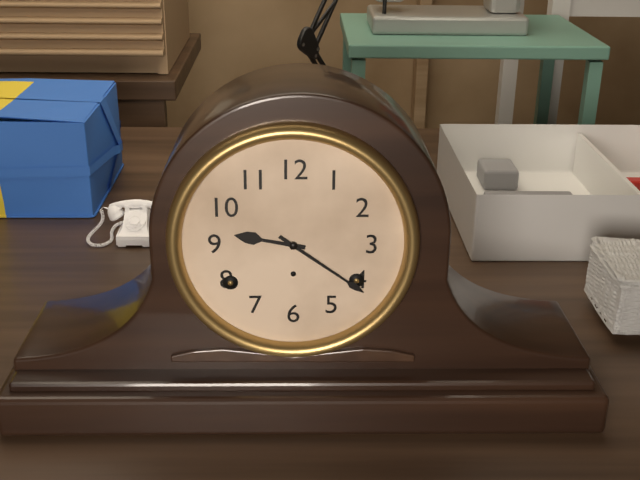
9:21
